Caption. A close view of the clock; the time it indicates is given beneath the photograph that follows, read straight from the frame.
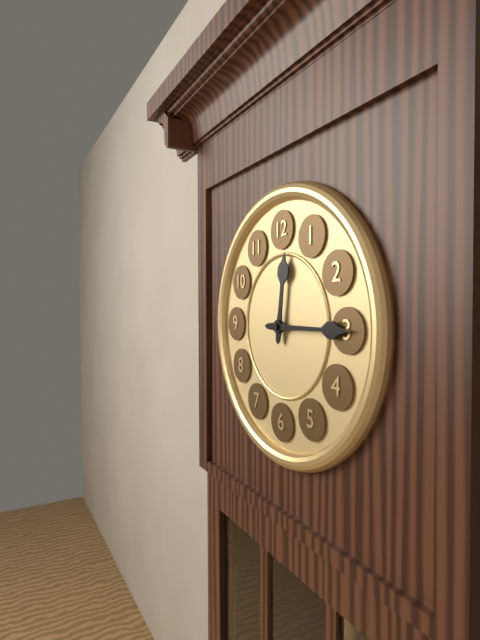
12:15
